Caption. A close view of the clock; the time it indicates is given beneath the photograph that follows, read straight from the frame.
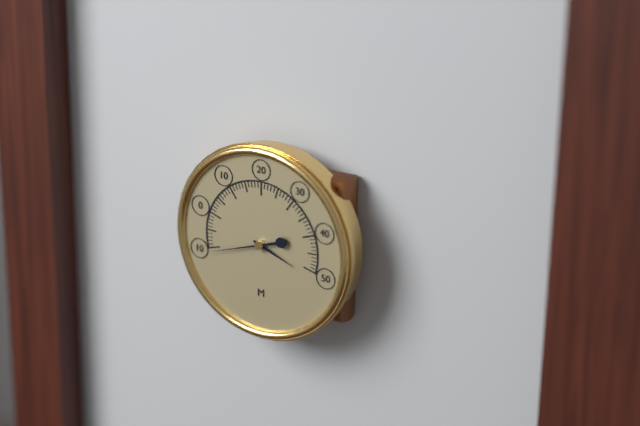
3:42
